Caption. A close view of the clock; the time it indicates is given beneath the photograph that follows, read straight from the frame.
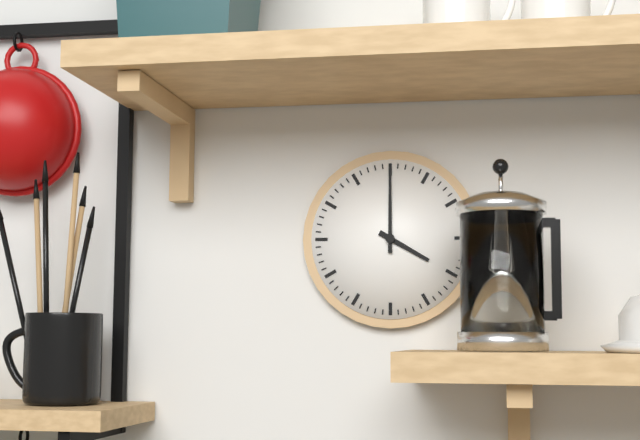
4:00
